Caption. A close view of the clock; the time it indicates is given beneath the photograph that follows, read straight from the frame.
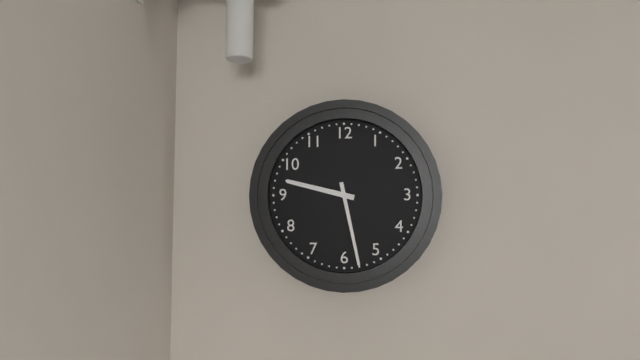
9:28
